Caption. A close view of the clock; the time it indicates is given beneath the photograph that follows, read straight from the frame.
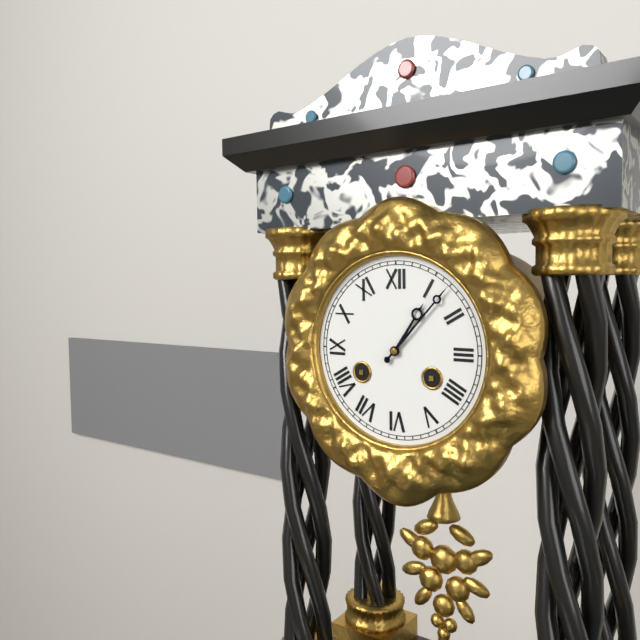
1:07
